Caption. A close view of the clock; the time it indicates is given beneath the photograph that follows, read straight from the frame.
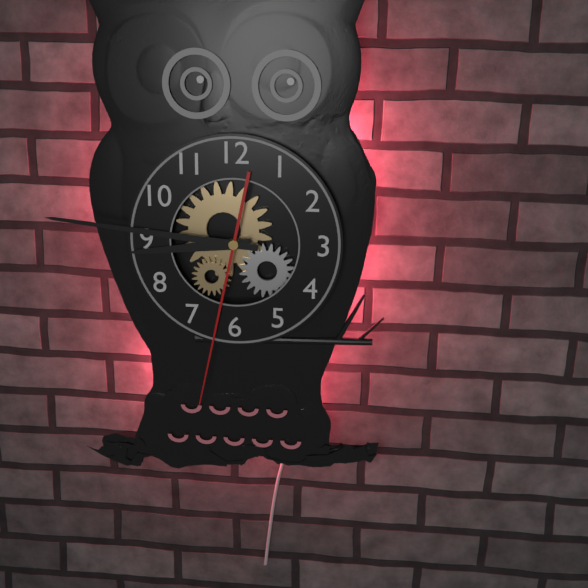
8:46:32
